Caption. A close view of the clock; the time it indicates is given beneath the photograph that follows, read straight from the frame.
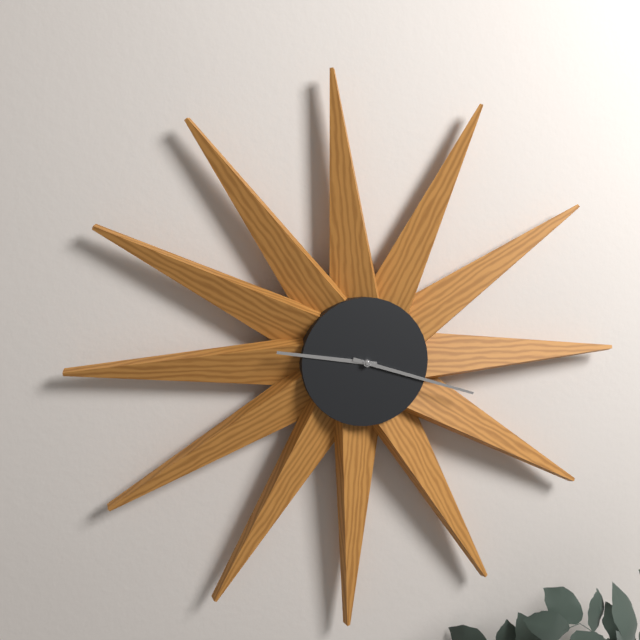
9:18
